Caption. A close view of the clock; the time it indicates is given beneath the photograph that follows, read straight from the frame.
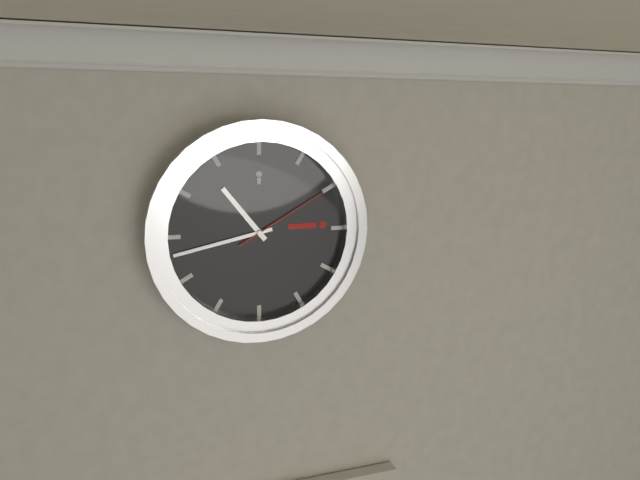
10:43:10
